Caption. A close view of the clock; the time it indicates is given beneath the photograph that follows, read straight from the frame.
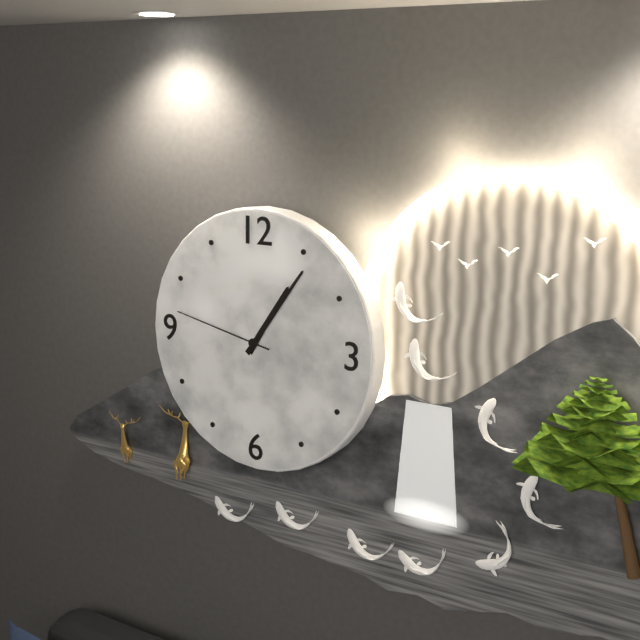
1:06:47
